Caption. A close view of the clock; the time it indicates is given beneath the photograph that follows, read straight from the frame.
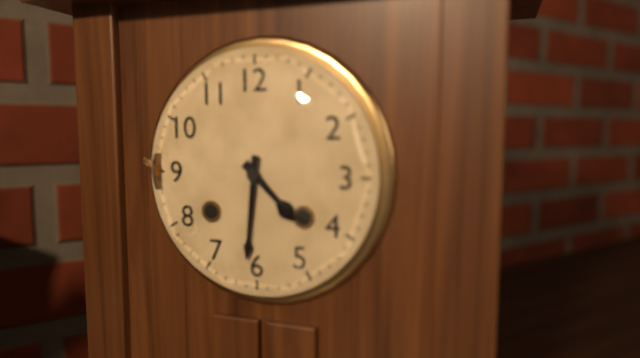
4:31
